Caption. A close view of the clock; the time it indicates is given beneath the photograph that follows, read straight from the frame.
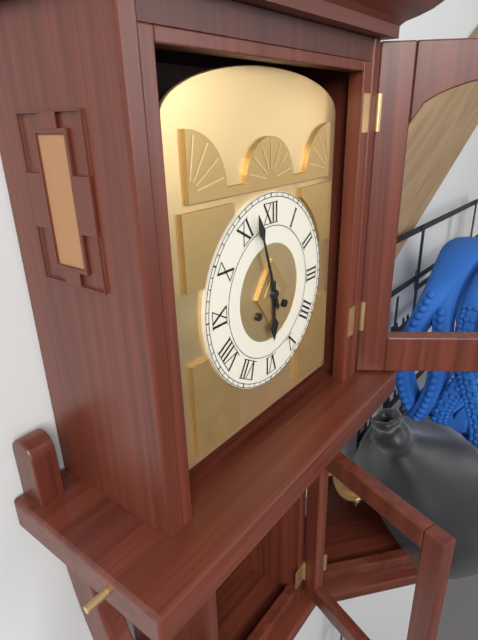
5:57
